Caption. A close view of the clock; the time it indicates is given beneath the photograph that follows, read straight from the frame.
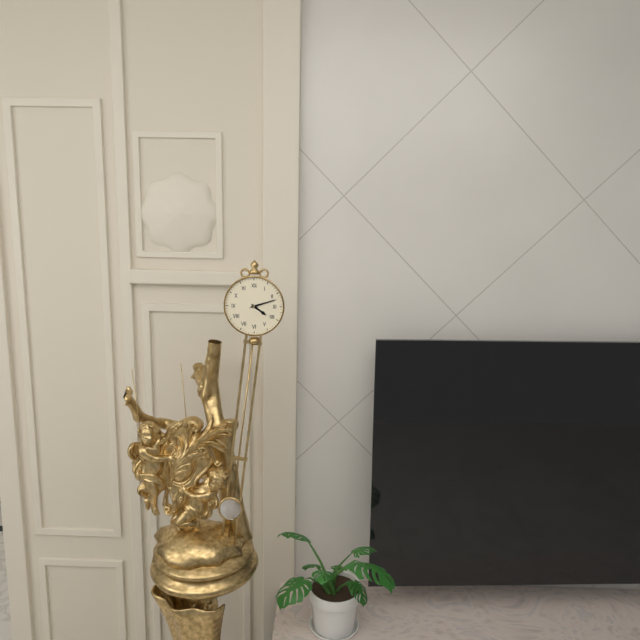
4:12
